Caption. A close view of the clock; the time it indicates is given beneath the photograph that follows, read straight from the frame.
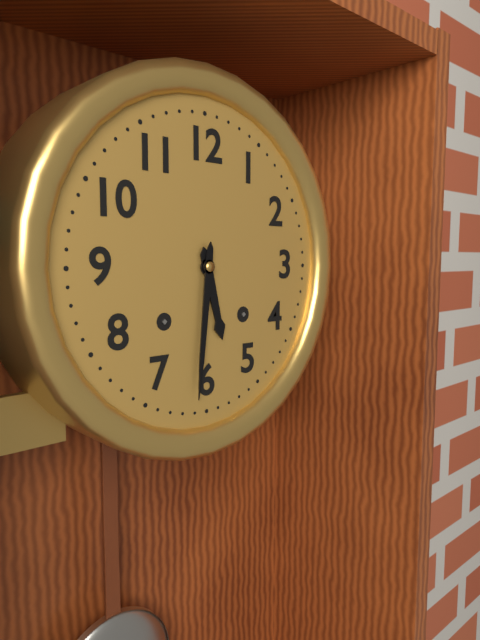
5:31
